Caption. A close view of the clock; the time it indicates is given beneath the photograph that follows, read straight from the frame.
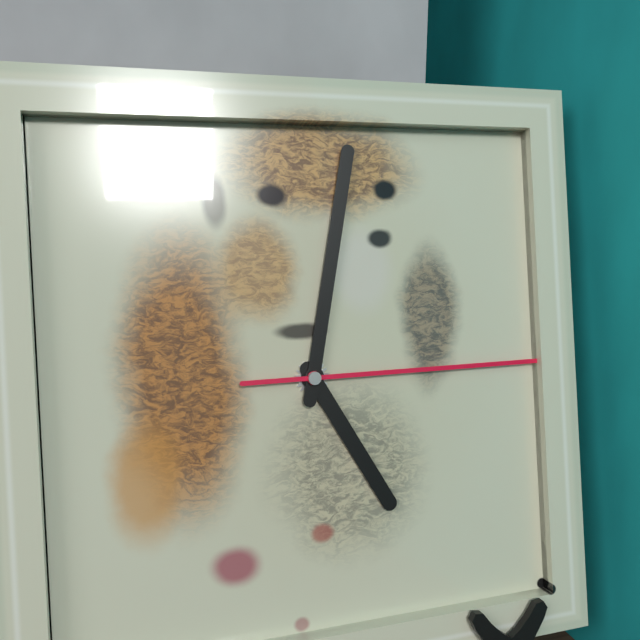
5:02:15
